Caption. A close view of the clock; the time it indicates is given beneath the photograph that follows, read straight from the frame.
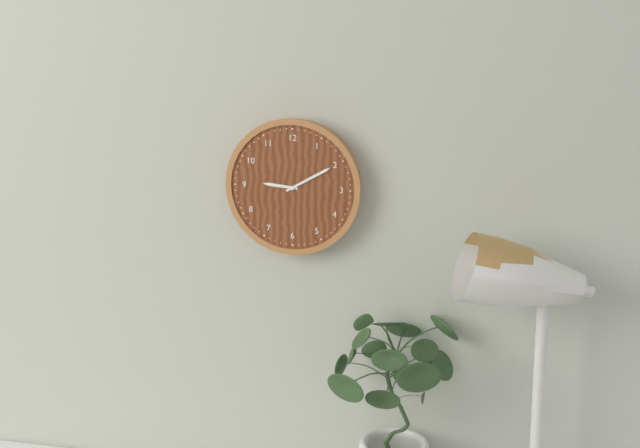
9:10
